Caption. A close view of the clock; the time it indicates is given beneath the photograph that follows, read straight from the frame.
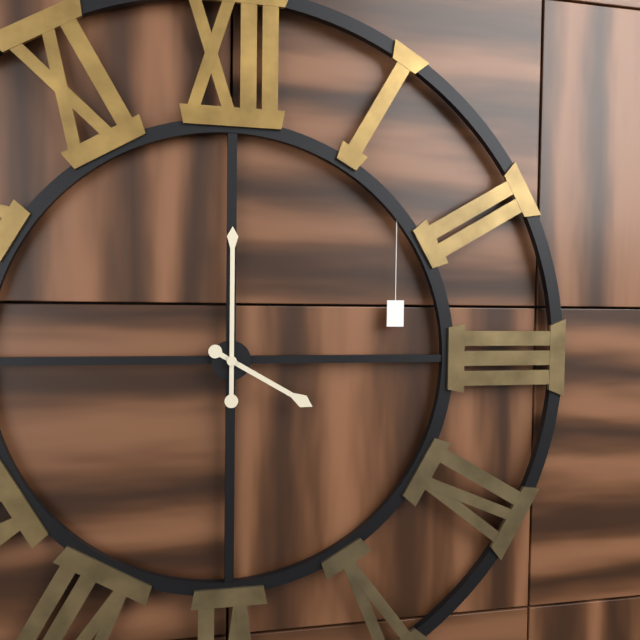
4:00
